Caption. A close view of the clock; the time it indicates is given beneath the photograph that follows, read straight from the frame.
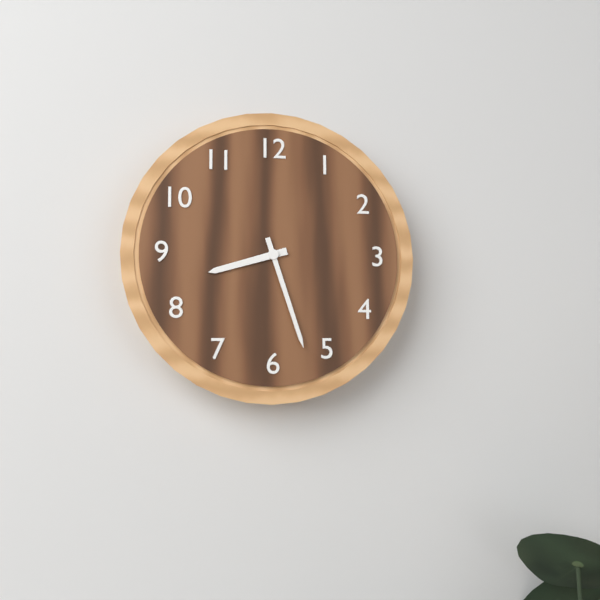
8:27
